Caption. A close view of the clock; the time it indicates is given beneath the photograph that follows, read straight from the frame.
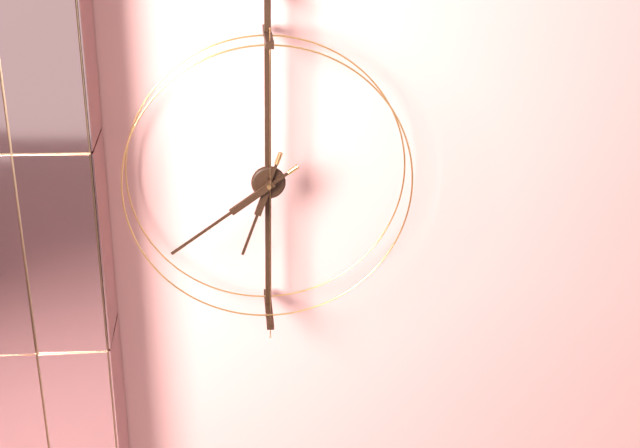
6:39
